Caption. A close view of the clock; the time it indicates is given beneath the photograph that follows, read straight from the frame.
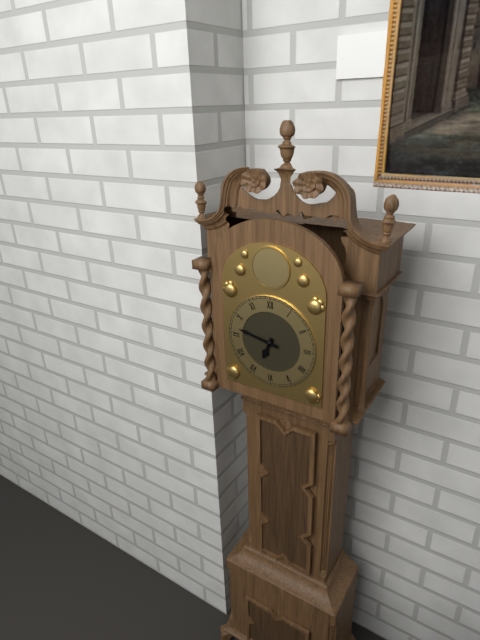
6:47
